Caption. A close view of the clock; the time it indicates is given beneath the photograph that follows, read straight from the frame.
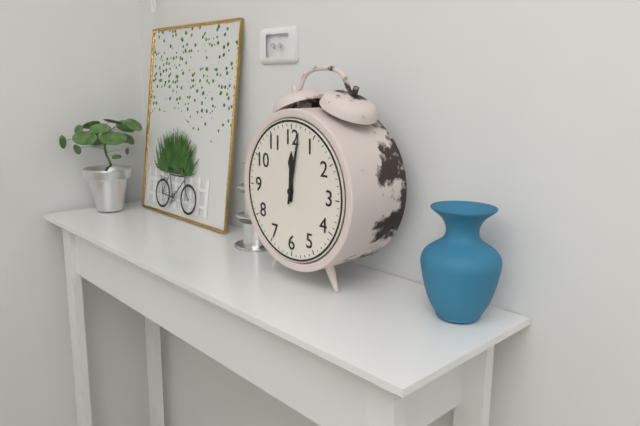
12:02
